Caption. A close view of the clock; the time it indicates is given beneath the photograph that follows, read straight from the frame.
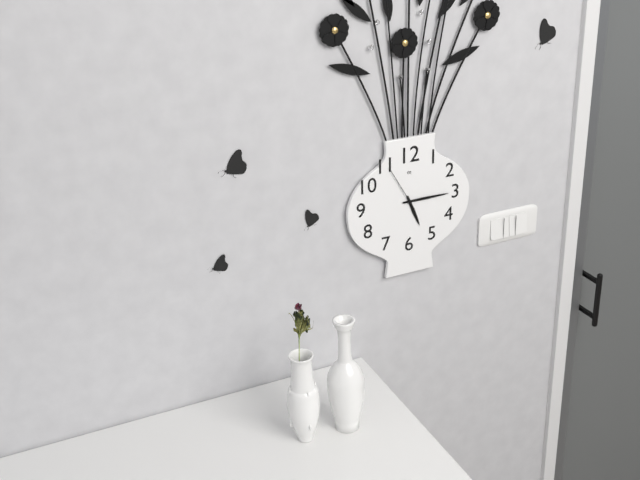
5:15
